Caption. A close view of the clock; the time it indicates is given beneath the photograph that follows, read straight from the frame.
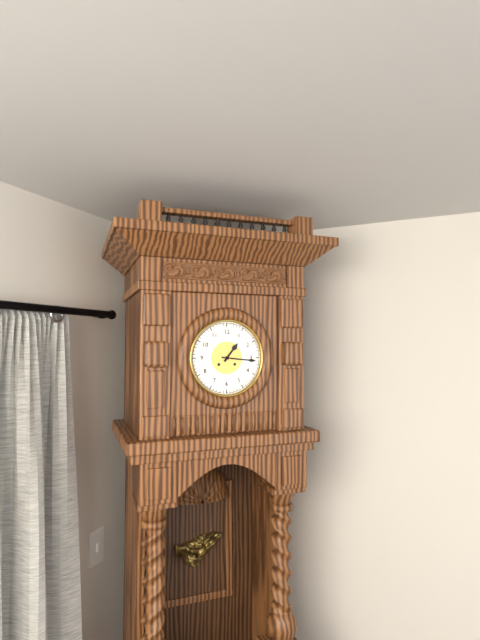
1:16
